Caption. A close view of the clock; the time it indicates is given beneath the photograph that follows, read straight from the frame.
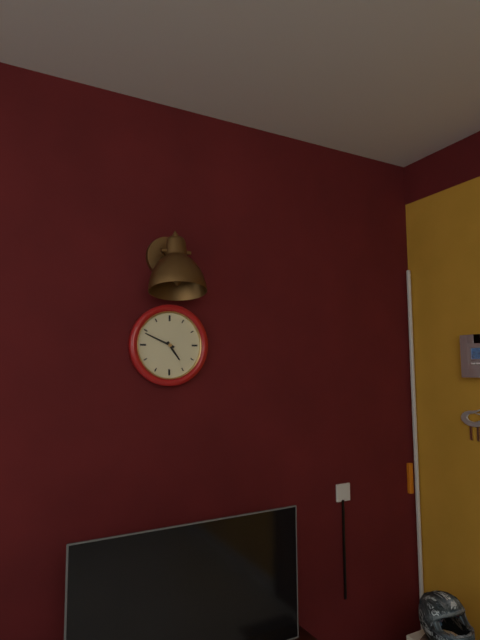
4:49
